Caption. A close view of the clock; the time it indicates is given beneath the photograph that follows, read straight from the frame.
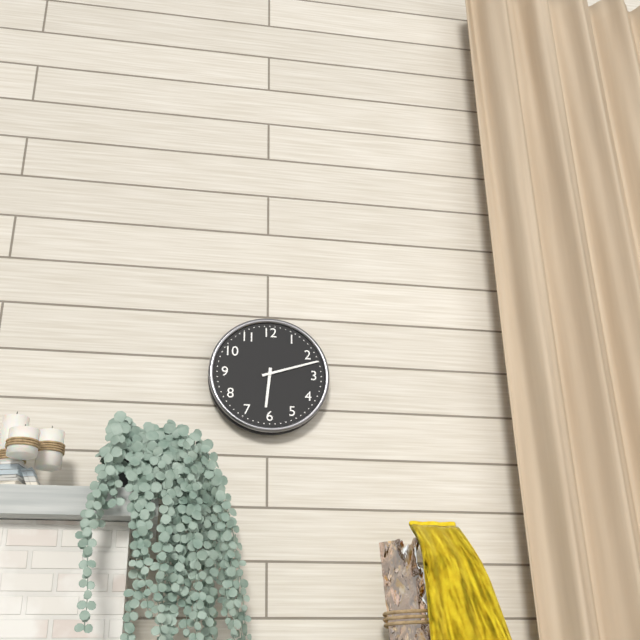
6:12
